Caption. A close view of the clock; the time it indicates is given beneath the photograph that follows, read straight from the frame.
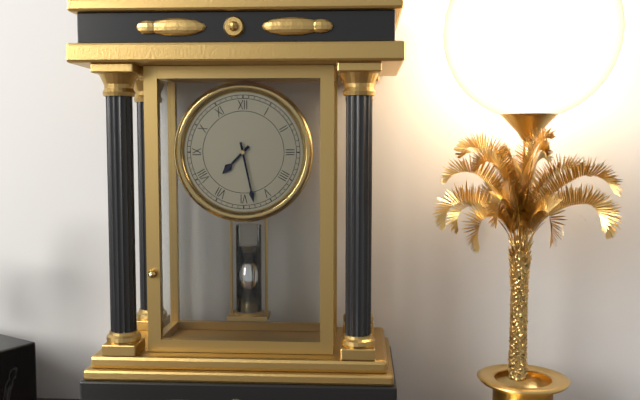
7:28
